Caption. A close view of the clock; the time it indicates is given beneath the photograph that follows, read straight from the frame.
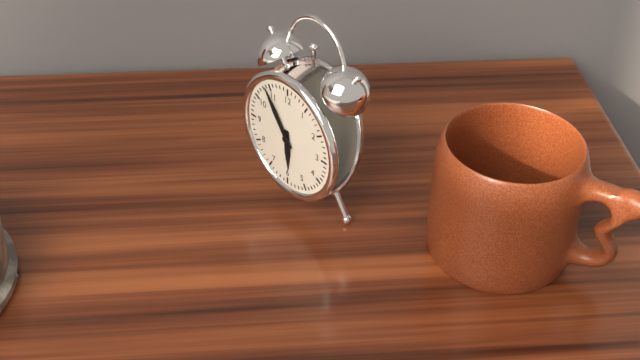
5:54
